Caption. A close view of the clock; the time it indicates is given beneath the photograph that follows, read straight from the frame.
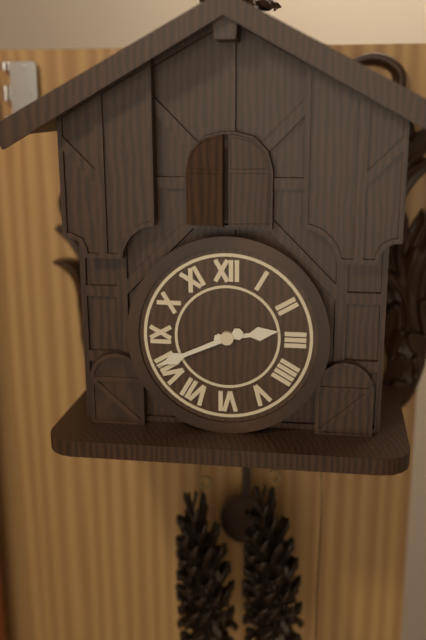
2:41
